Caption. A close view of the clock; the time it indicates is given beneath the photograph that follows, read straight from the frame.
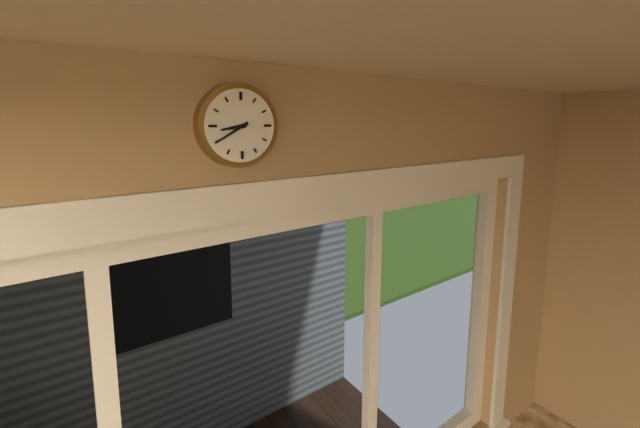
8:40
